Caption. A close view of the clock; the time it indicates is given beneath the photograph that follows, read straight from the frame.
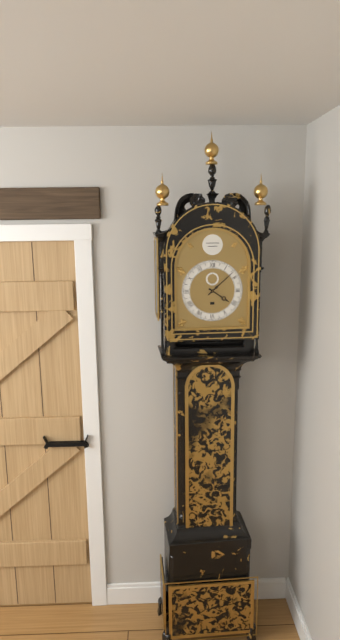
4:08
